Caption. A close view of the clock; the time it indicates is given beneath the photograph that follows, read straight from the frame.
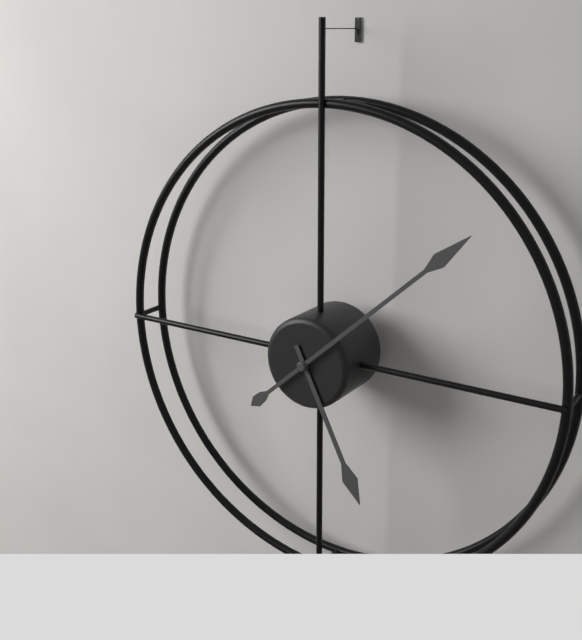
5:08
